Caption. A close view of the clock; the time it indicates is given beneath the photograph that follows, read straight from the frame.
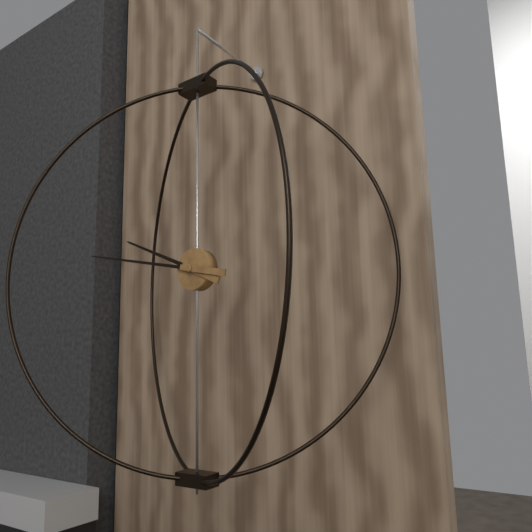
9:47
